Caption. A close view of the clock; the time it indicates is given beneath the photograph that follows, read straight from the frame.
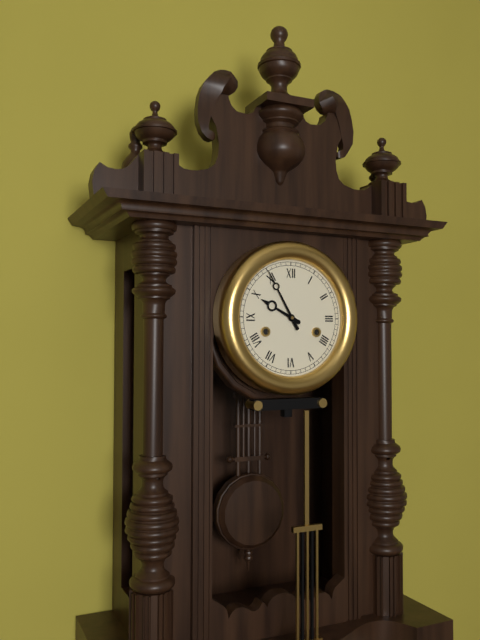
9:55
